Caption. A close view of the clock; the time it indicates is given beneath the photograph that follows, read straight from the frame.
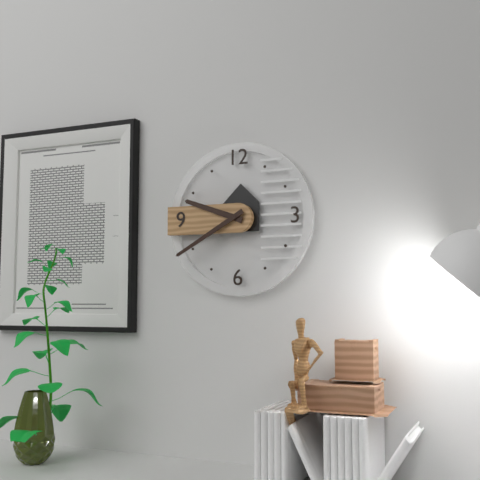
9:40
